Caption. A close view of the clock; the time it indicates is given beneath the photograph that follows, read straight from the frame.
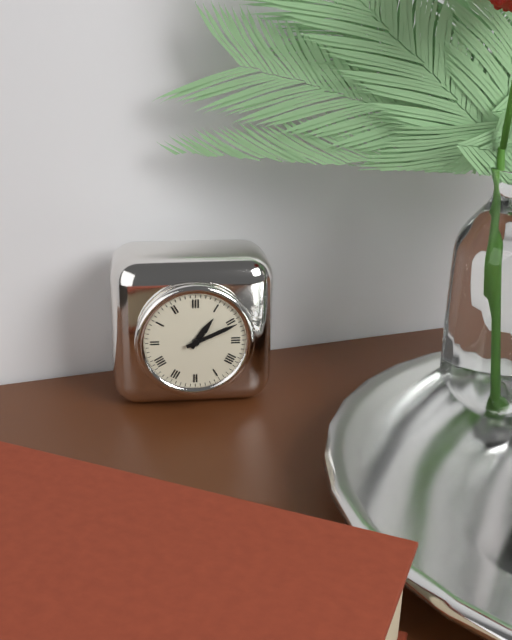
1:11
